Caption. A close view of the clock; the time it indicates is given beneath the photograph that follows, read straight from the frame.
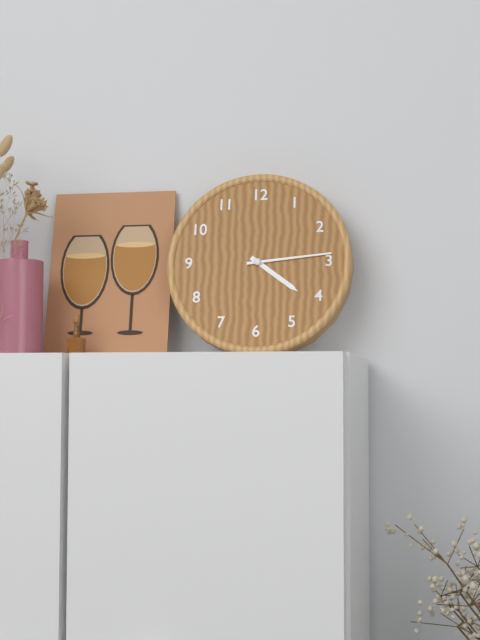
4:14
